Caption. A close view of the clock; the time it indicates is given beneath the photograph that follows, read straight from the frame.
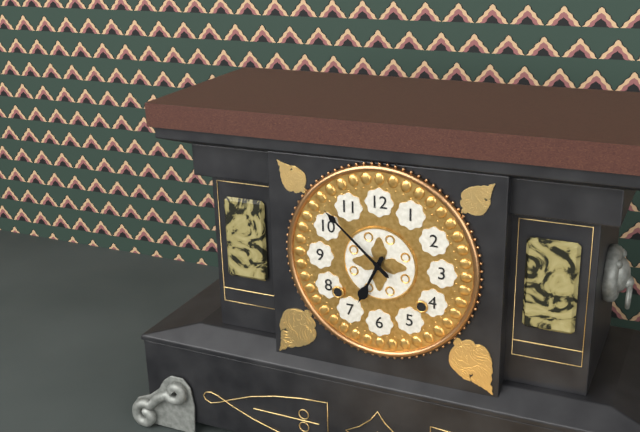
6:52
